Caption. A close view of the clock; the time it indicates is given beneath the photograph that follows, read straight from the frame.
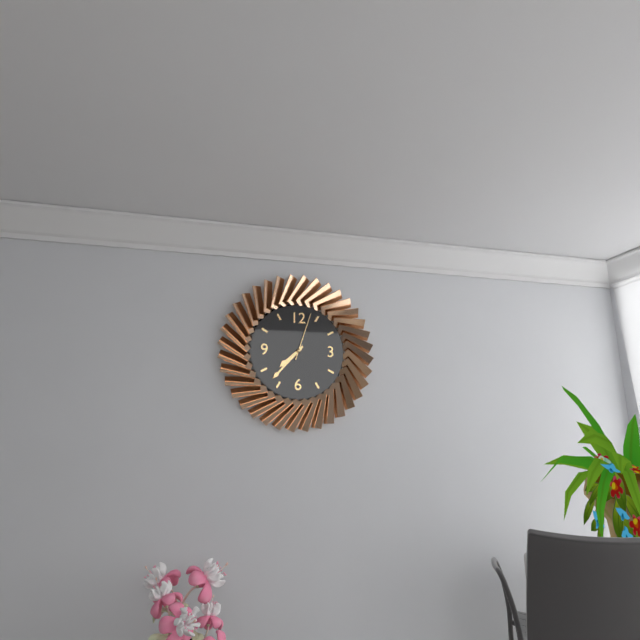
7:37
